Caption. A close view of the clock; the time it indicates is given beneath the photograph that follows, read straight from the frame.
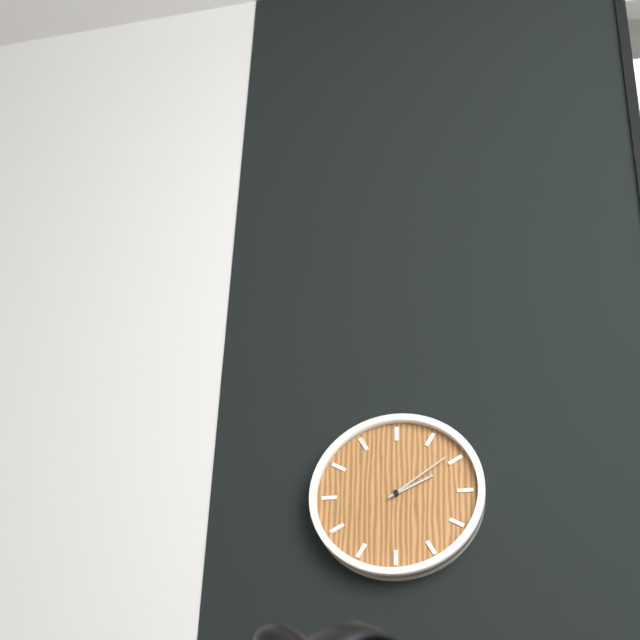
2:09
